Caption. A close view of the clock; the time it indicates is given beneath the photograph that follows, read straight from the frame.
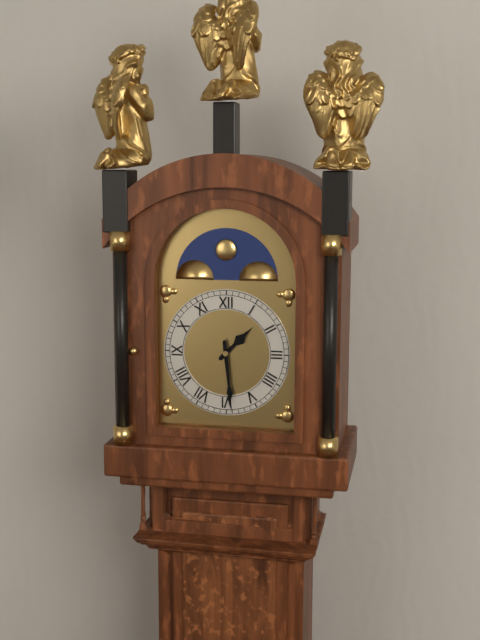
1:29
